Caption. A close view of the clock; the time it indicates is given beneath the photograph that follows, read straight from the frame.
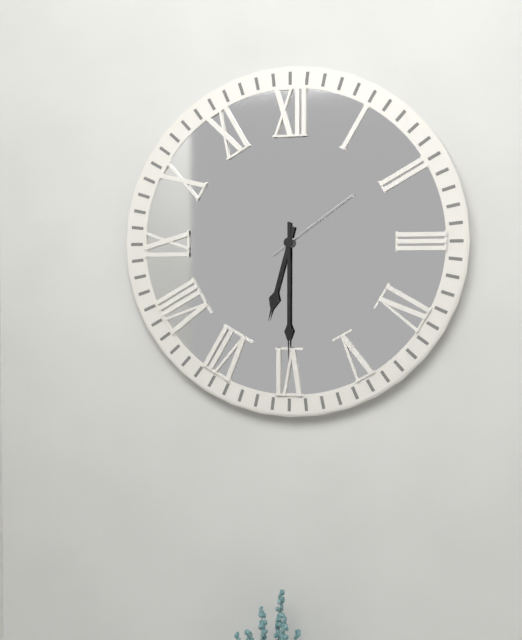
6:30:09
